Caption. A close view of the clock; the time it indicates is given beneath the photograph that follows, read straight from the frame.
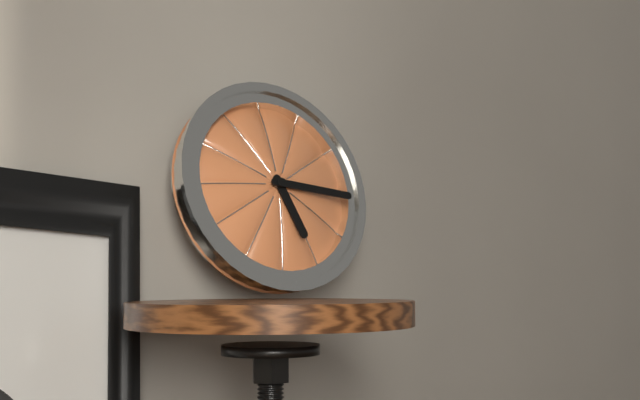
5:16
